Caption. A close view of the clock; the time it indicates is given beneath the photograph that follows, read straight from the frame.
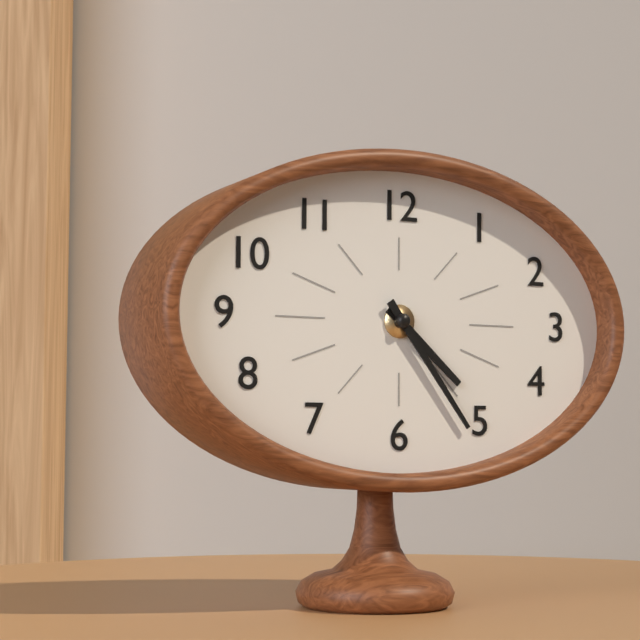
4:24
